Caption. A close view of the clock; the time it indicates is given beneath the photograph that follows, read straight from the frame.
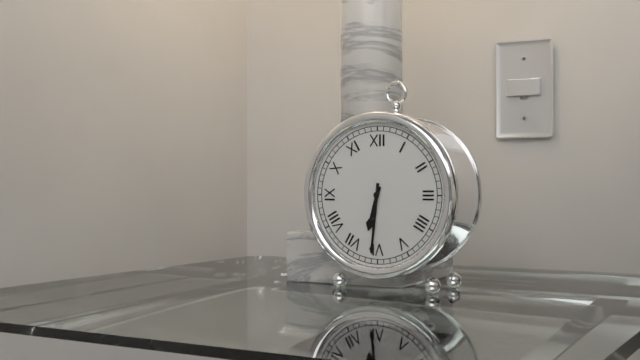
6:31
